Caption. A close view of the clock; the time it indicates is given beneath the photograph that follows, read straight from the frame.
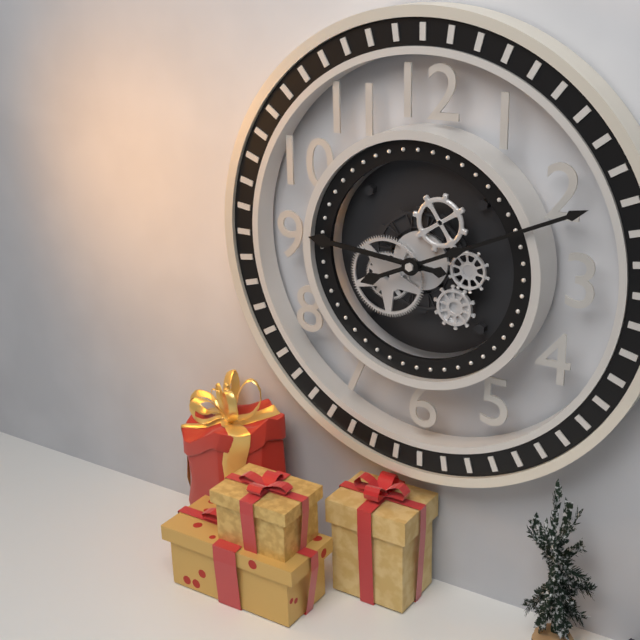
9:11
